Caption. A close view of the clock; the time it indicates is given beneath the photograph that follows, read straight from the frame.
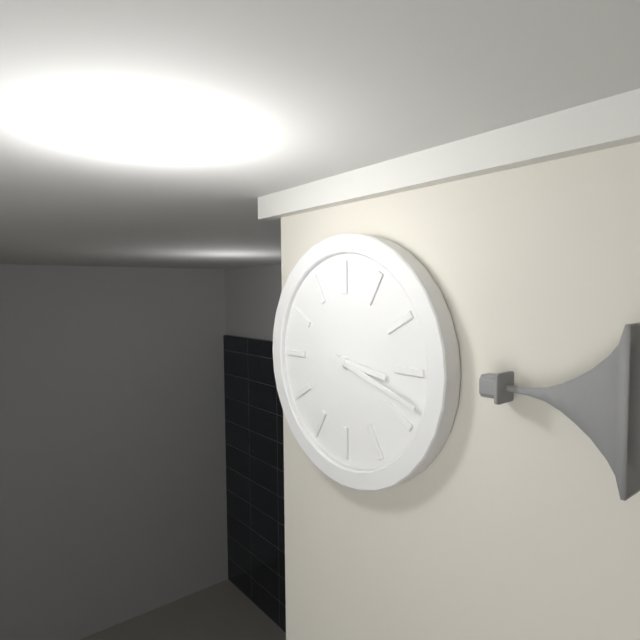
3:18
